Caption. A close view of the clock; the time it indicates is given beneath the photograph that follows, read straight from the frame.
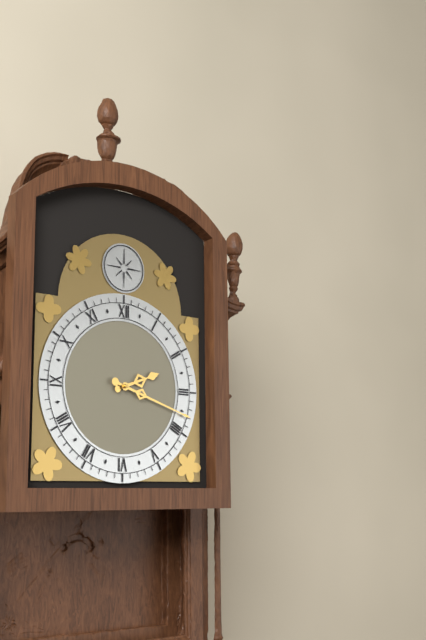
2:18
